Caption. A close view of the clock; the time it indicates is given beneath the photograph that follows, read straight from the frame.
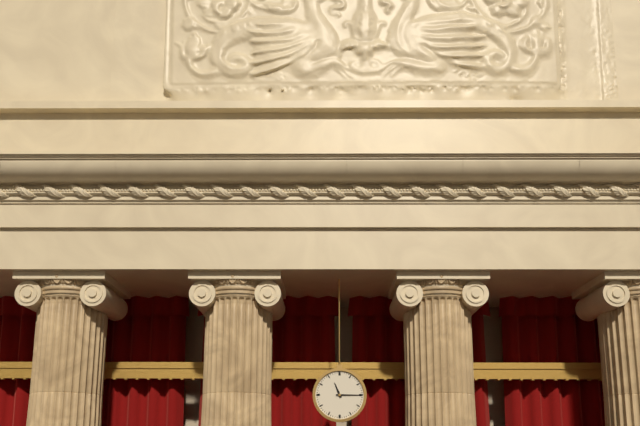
11:15
